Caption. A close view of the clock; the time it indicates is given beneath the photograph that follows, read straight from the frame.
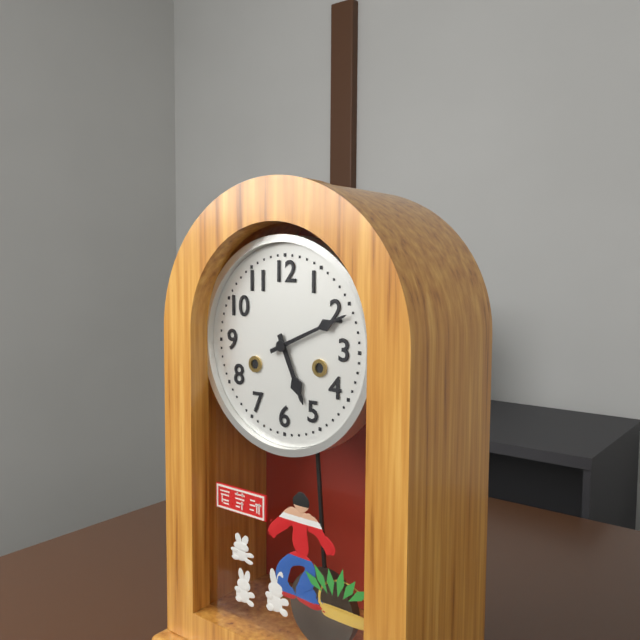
5:11
